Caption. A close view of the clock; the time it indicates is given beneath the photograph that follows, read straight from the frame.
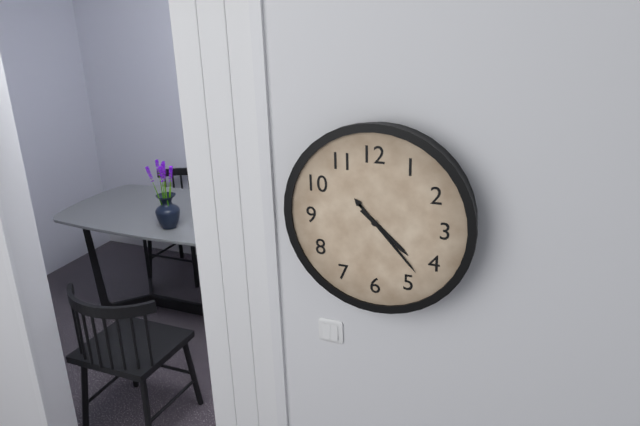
4:23
